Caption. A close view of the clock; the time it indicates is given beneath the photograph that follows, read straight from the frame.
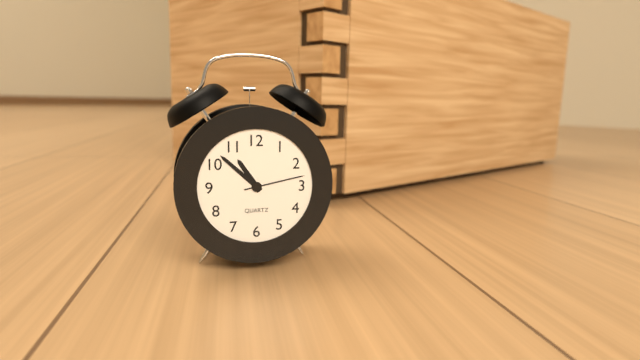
10:52:13
